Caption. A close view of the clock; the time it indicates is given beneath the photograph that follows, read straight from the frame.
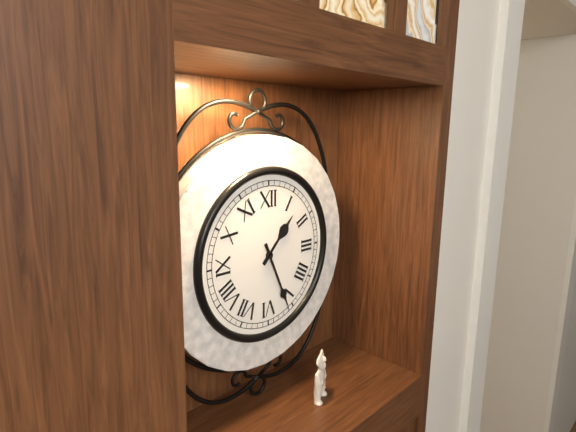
1:26
